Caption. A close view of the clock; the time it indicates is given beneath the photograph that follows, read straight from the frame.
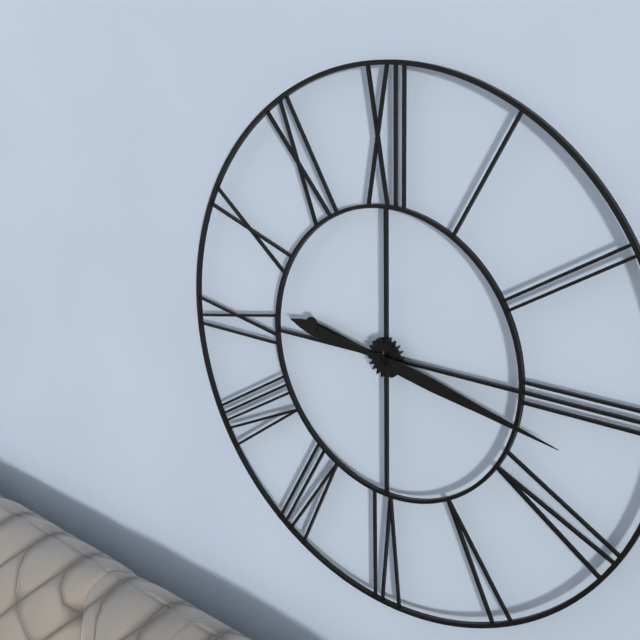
9:17
